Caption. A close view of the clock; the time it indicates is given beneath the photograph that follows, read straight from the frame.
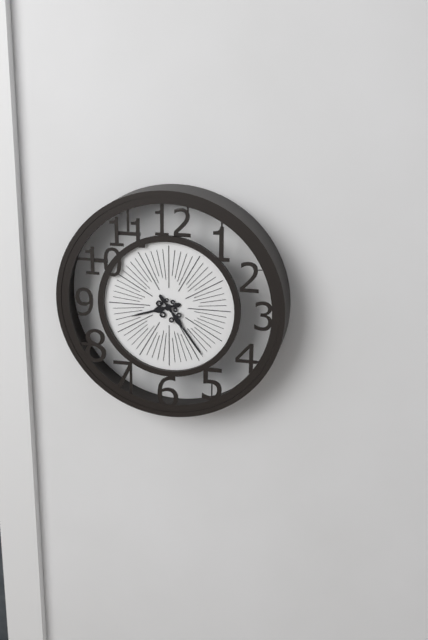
8:24
